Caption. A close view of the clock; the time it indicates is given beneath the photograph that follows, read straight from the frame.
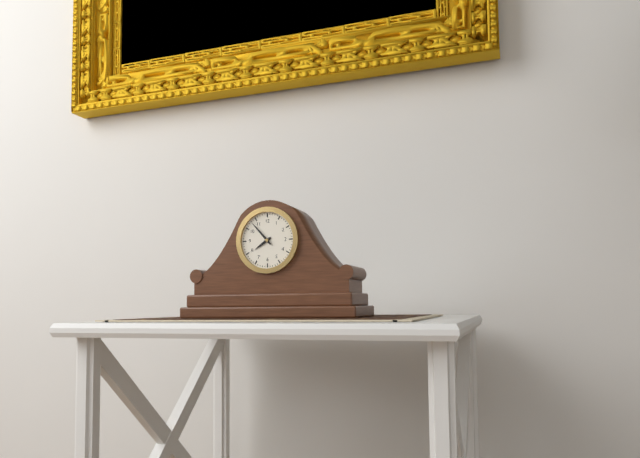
7:53
